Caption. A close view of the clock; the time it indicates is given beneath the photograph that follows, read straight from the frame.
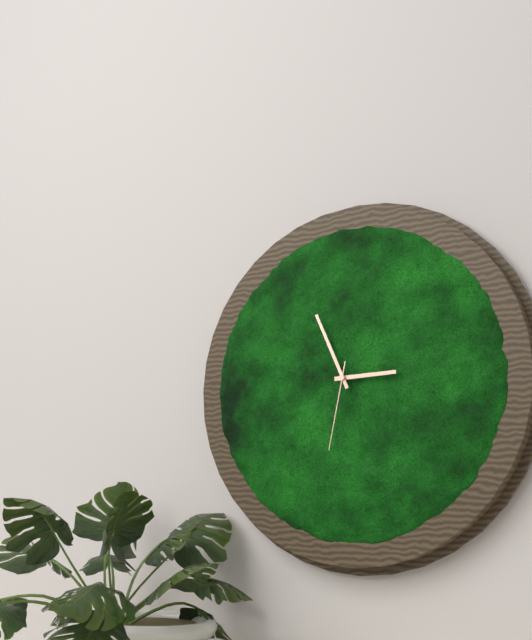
2:56:32
